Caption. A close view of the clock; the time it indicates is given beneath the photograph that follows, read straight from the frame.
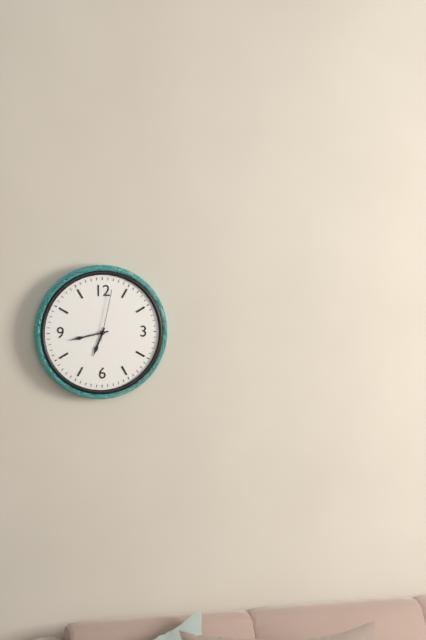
6:43:02
